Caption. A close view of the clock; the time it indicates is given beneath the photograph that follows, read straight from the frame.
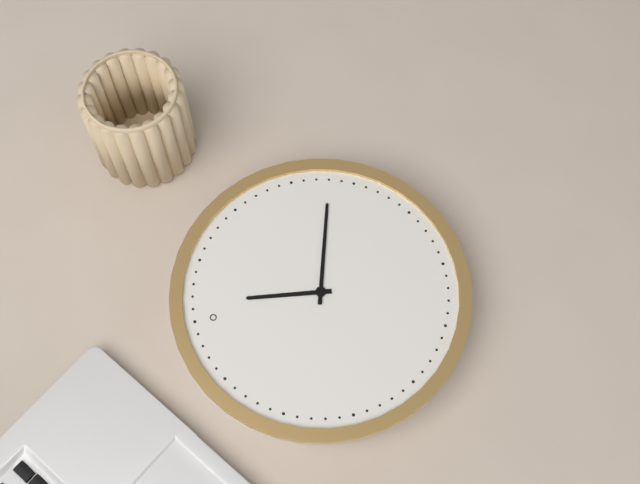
12:18
